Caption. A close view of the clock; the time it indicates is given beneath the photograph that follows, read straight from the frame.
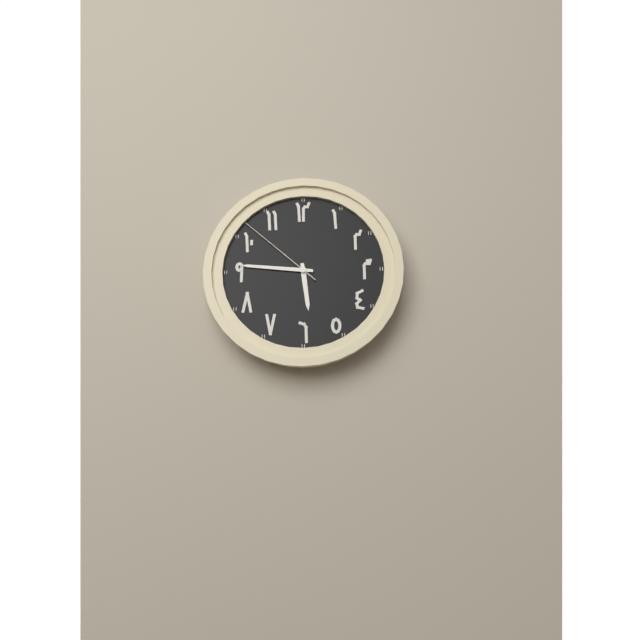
5:46:52
